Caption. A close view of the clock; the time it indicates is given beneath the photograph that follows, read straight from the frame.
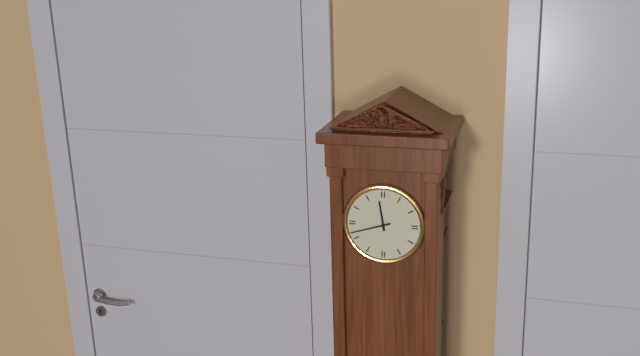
11:42
